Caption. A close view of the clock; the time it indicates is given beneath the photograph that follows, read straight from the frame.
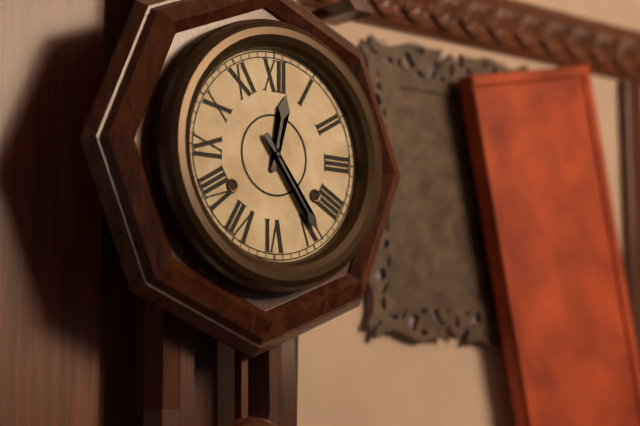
12:24
